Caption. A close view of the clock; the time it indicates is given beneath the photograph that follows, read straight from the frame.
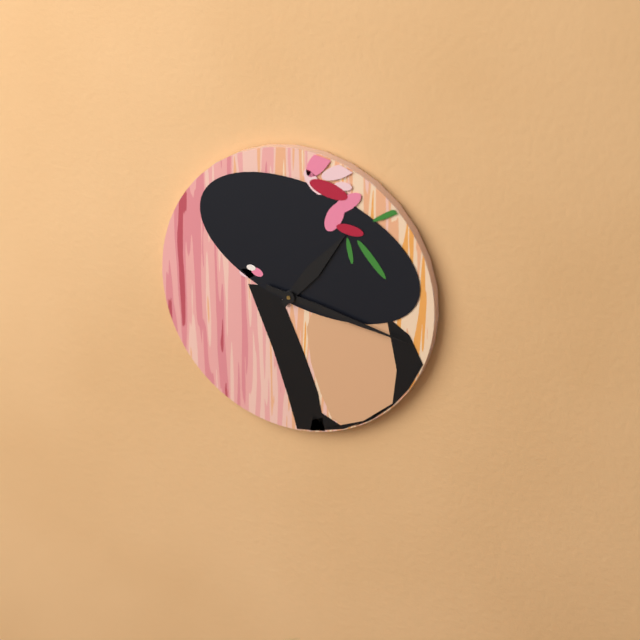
1:17
